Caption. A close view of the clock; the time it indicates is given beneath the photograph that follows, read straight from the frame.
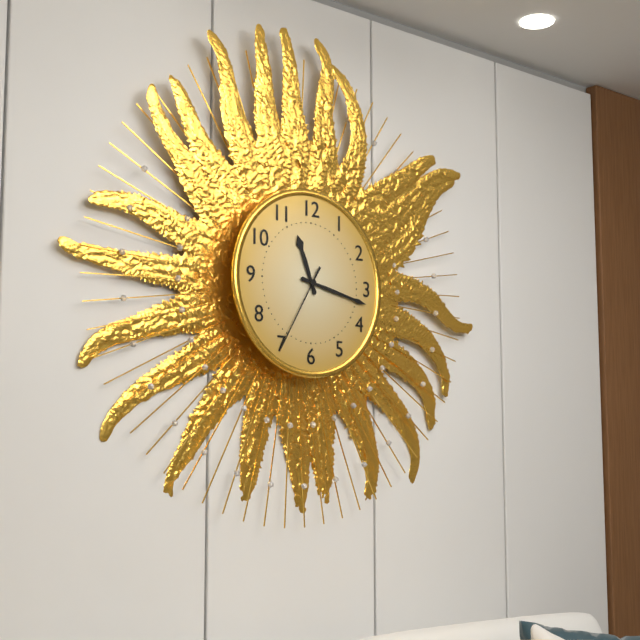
11:17:35
